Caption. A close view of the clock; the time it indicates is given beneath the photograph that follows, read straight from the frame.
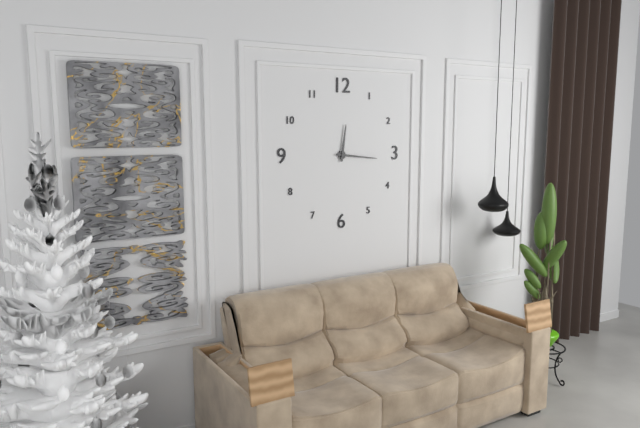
12:16
